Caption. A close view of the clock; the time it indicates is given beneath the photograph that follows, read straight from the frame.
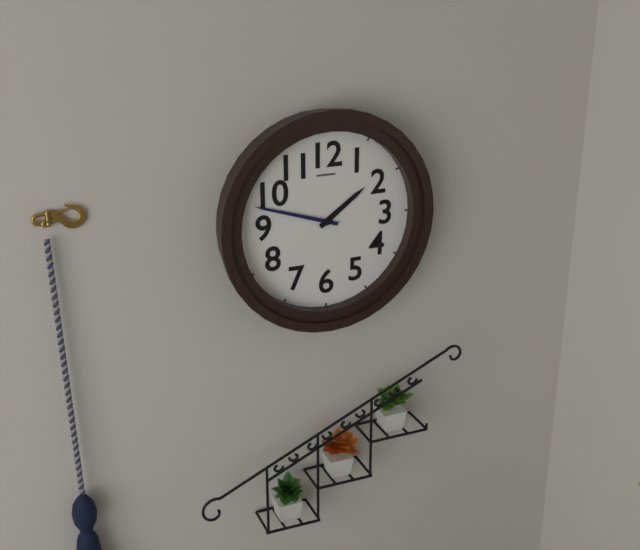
1:48
